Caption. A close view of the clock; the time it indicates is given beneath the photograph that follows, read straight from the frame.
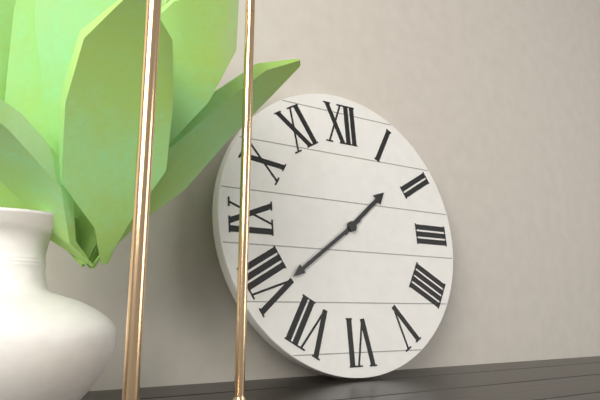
1:39
